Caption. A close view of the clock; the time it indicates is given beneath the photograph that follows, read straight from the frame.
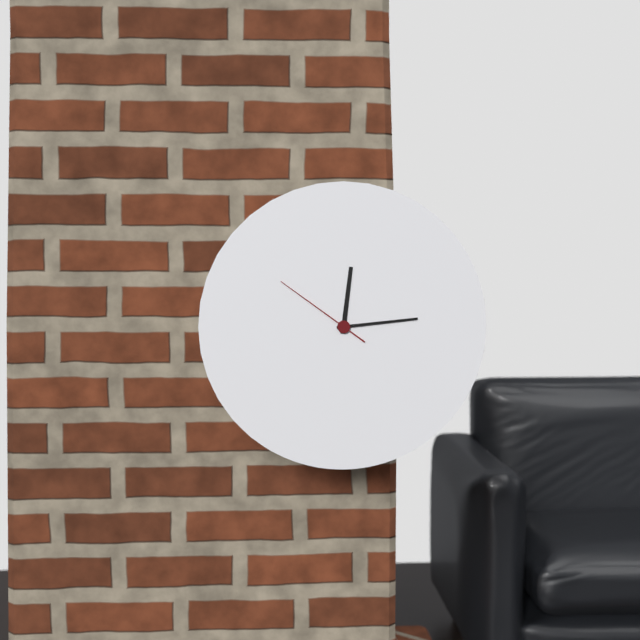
12:14:51
